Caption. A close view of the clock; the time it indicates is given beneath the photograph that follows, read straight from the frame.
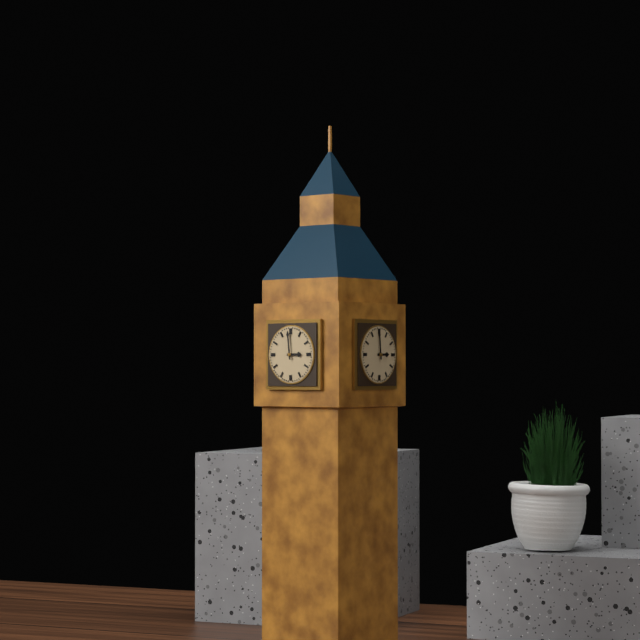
2:59
